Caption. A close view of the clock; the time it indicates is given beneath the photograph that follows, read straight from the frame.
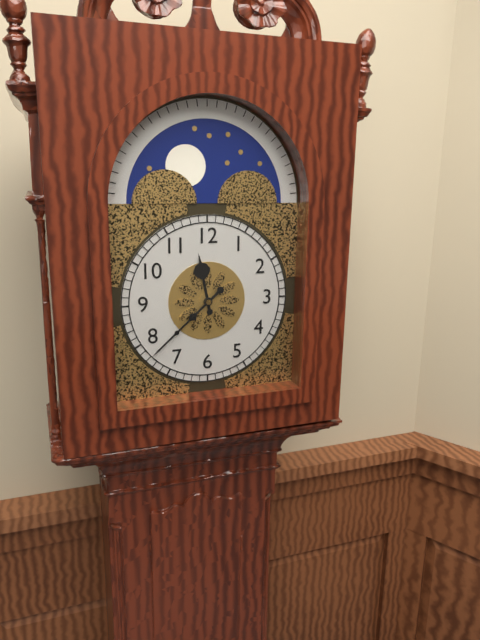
11:38
